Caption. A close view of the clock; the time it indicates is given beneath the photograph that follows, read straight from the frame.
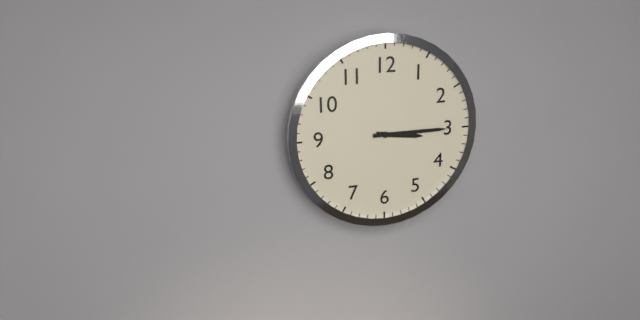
3:15
